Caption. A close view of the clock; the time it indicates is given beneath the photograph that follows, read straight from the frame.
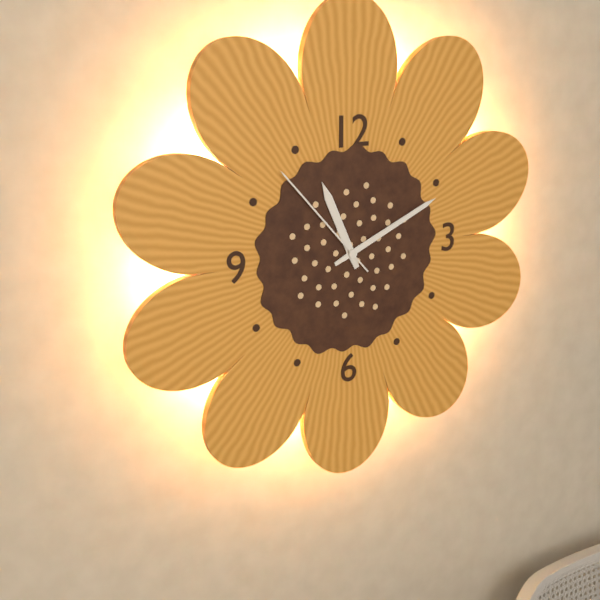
11:11:53
